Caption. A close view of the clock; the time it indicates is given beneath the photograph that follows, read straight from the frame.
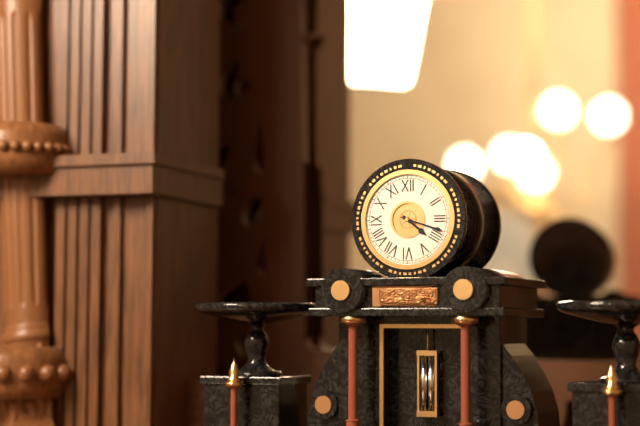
4:18
